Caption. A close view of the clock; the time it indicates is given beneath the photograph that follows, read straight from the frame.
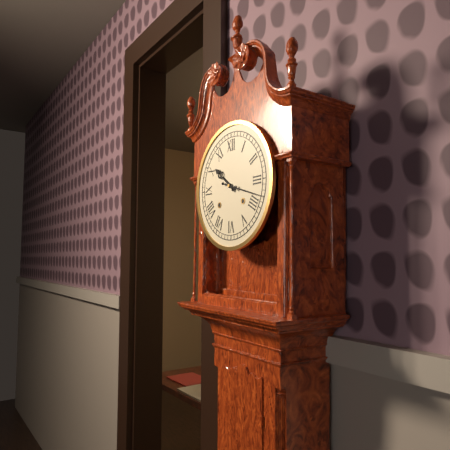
10:18
